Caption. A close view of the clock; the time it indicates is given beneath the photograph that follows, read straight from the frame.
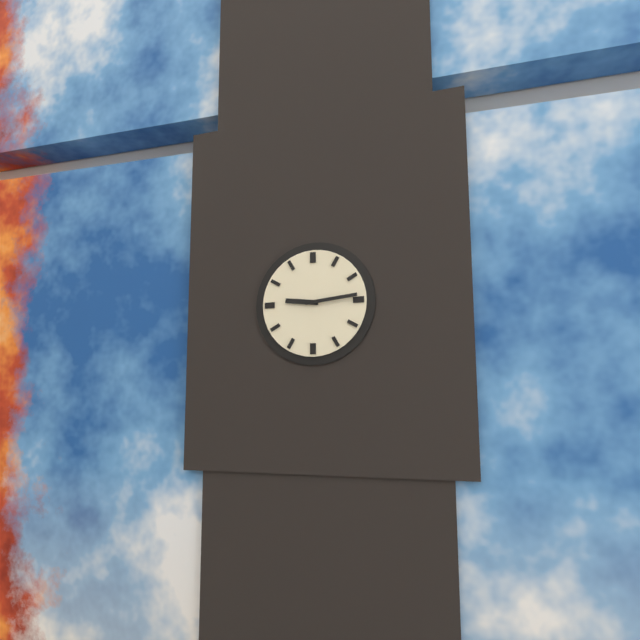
9:14
